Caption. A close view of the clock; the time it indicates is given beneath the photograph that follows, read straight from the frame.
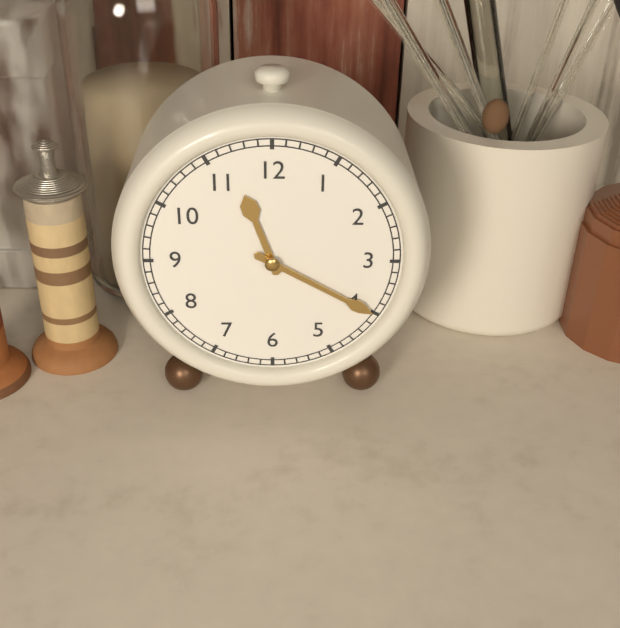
11:20
